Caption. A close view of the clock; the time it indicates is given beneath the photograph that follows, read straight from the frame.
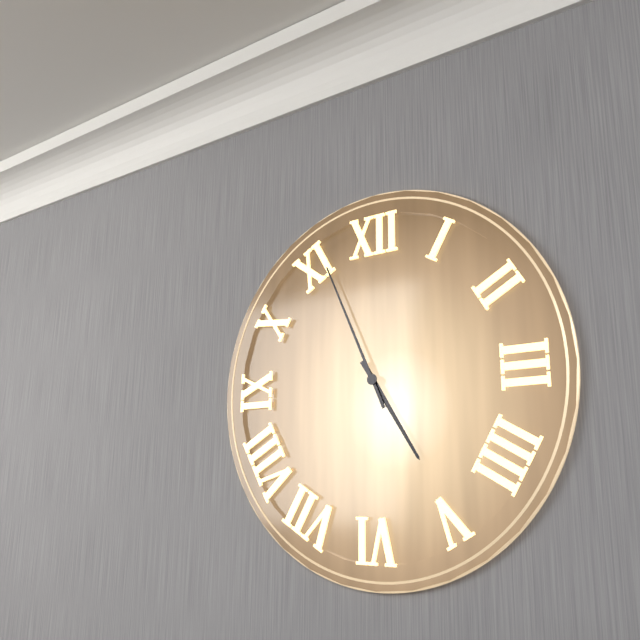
4:56
